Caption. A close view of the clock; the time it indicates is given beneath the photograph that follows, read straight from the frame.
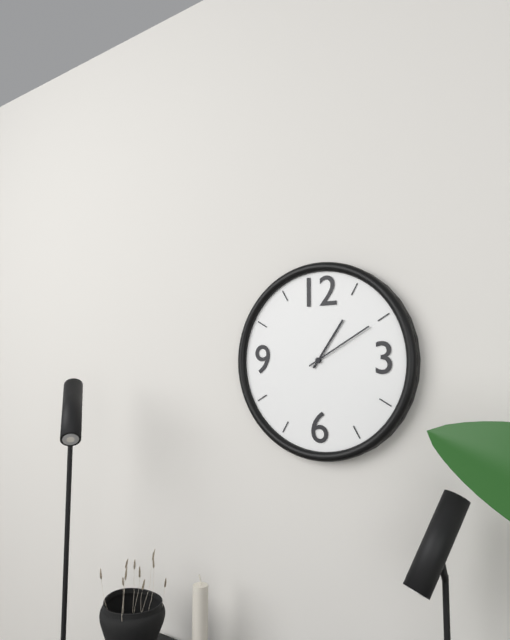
1:10
